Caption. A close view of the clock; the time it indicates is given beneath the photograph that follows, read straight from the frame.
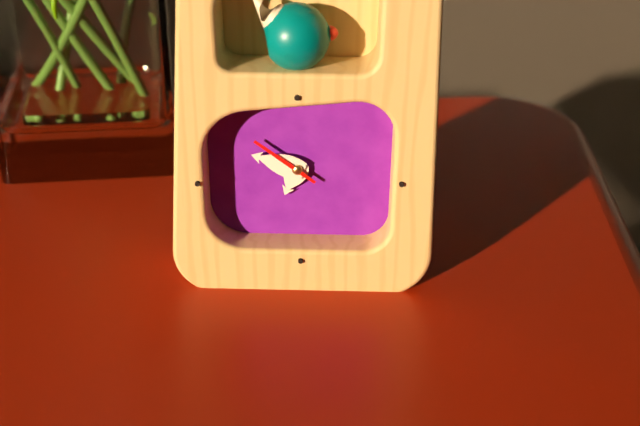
6:48:51
